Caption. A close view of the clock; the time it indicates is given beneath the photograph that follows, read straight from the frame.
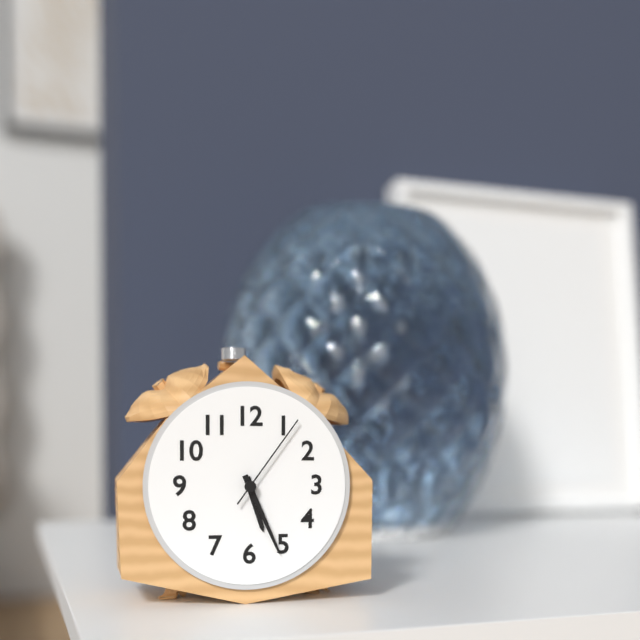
5:26:06
